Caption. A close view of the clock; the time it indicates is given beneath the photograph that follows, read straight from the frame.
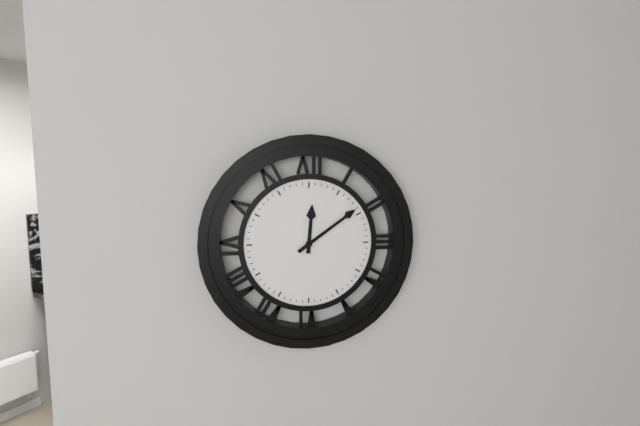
12:09
